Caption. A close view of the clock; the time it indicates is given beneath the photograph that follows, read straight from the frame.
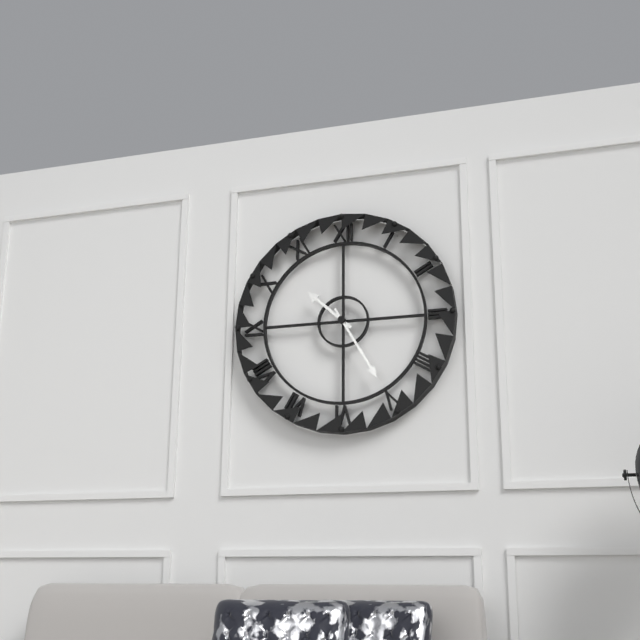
10:25
